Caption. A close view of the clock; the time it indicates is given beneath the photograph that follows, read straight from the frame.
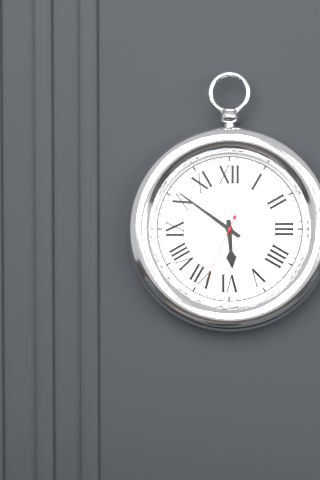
5:51:34
